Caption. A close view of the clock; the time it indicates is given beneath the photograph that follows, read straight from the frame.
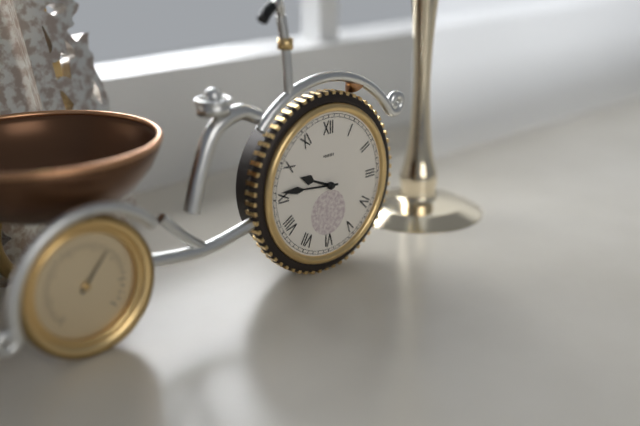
9:46
